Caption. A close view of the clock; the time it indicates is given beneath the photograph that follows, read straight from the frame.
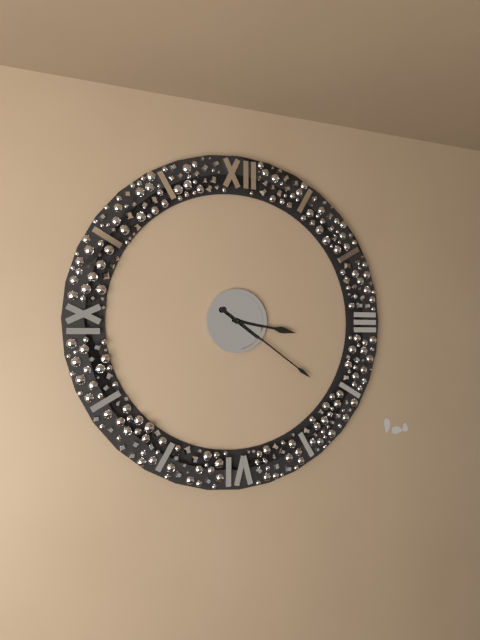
3:21
